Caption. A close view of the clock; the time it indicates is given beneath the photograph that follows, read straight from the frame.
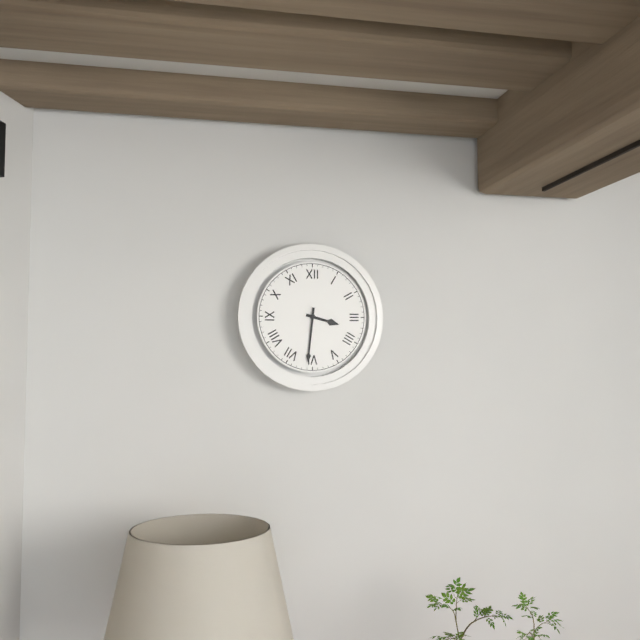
3:31
